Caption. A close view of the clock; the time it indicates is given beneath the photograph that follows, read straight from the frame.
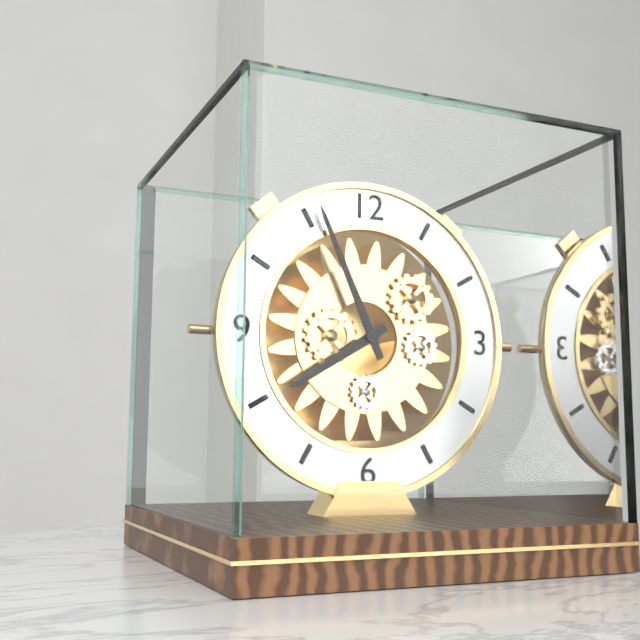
7:56
